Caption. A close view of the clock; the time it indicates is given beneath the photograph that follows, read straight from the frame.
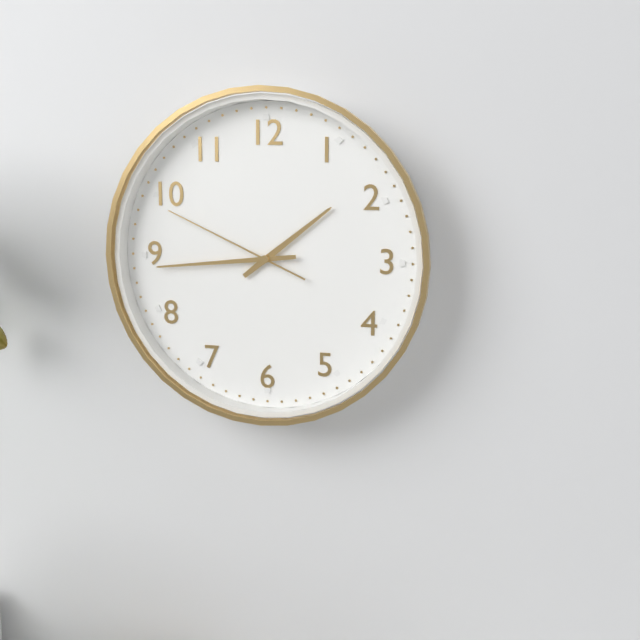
1:44:49
